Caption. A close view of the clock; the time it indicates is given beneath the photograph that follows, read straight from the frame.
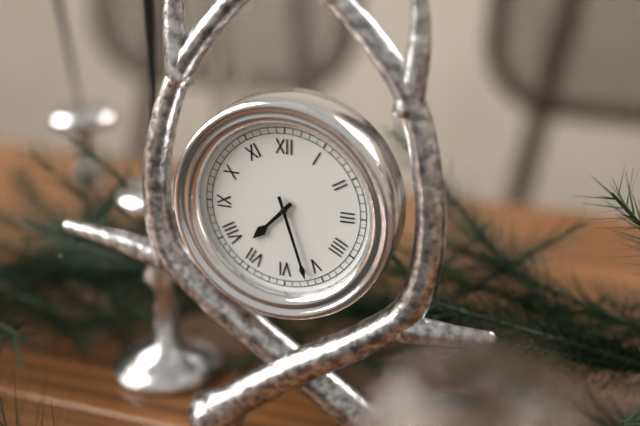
7:27
